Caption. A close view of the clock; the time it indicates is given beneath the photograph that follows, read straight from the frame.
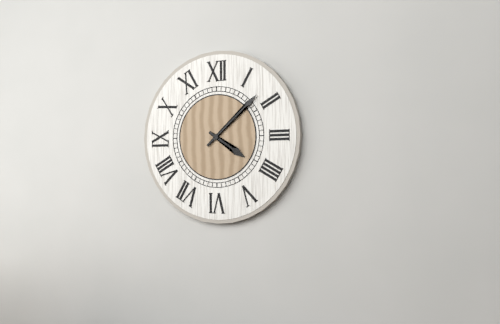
4:08
